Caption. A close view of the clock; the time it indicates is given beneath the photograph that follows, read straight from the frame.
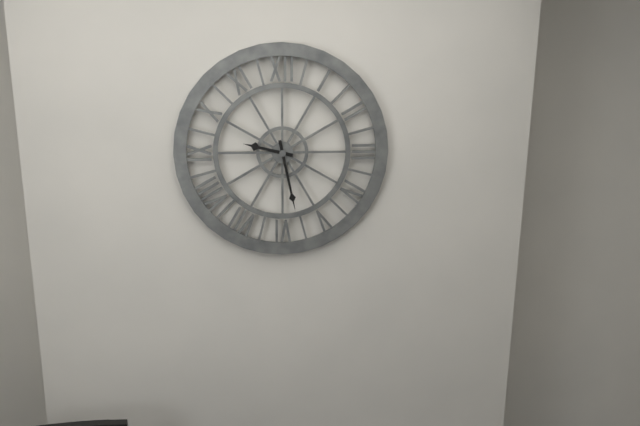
9:28
